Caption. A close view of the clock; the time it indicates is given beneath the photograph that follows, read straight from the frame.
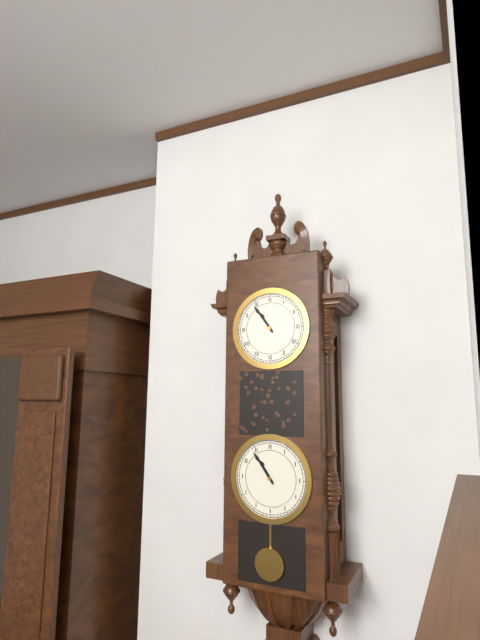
10:54
